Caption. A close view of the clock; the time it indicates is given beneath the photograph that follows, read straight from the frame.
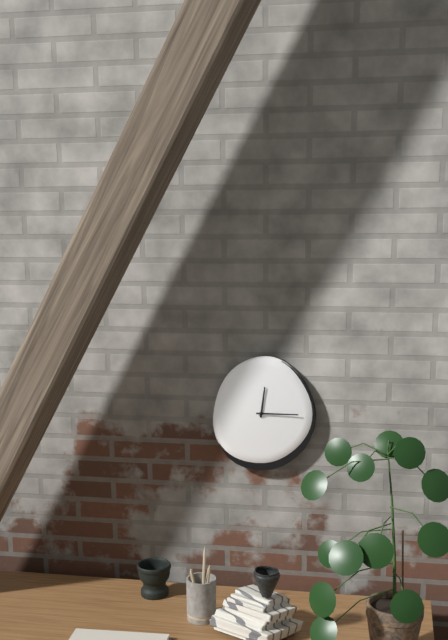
12:15
